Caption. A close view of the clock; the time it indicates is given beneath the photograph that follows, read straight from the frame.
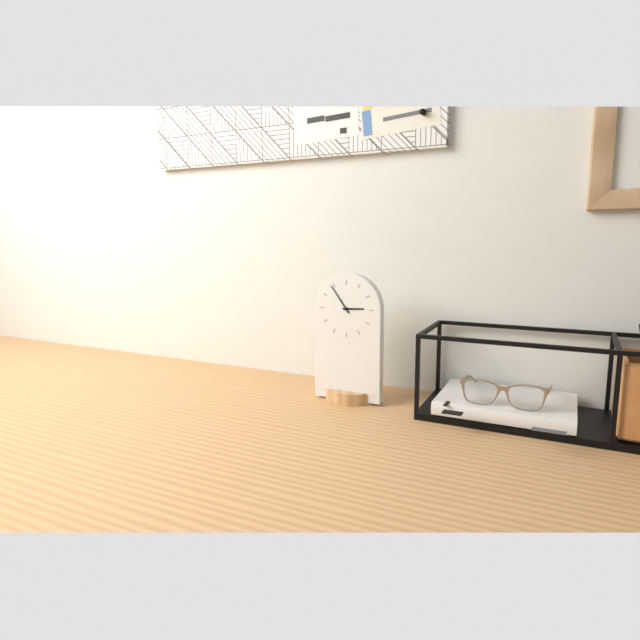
2:54
